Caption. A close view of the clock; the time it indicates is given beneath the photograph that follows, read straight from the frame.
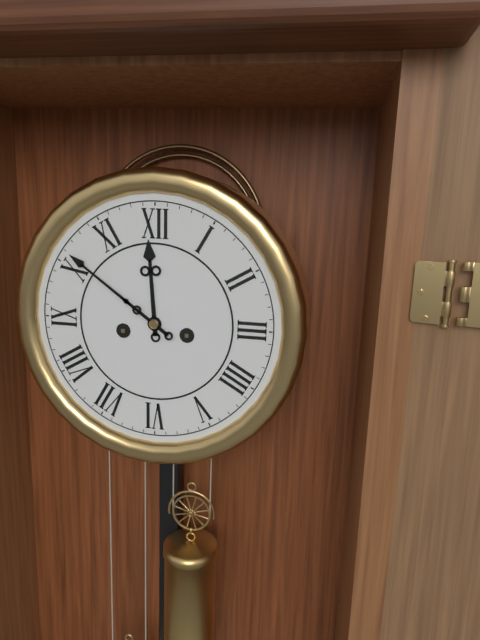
11:51
